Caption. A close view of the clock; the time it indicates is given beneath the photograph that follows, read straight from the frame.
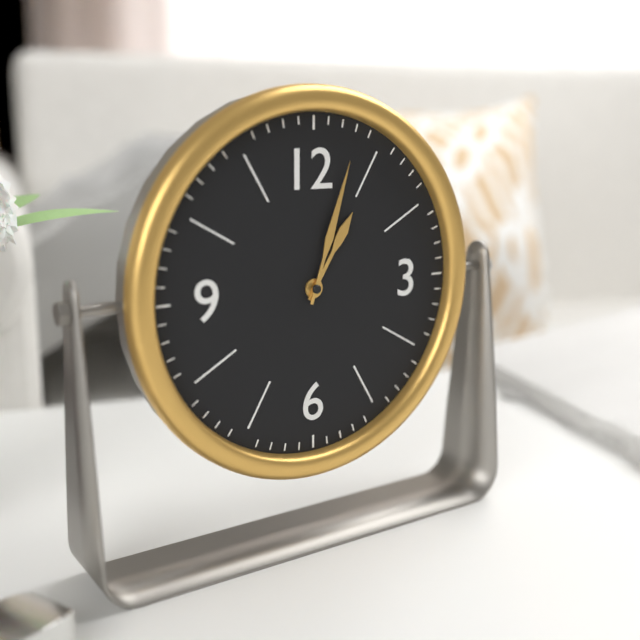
1:03
